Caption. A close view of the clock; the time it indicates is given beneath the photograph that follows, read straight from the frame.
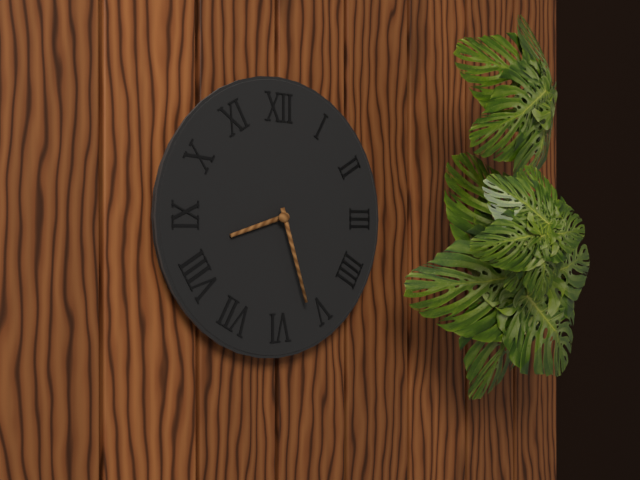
8:27
